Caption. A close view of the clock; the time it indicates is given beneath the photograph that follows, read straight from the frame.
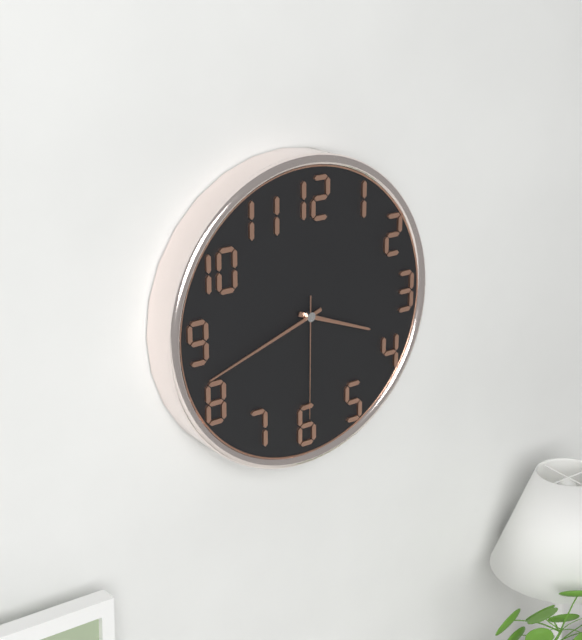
3:42:30
